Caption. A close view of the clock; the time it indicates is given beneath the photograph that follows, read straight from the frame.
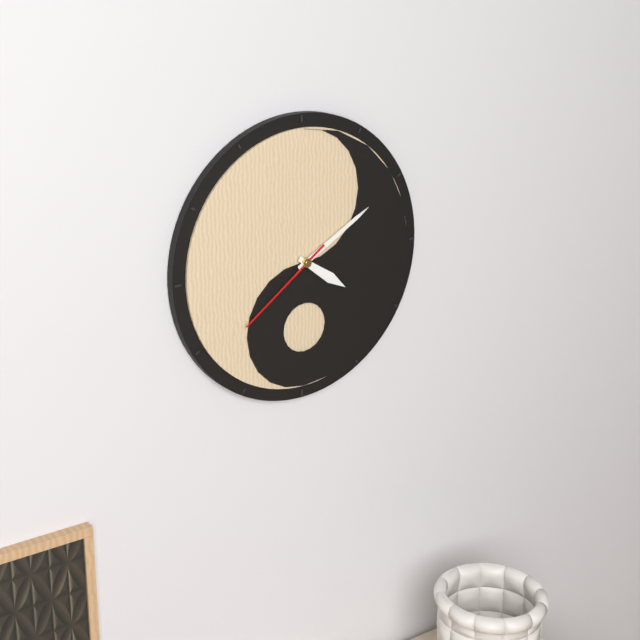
4:10:39
